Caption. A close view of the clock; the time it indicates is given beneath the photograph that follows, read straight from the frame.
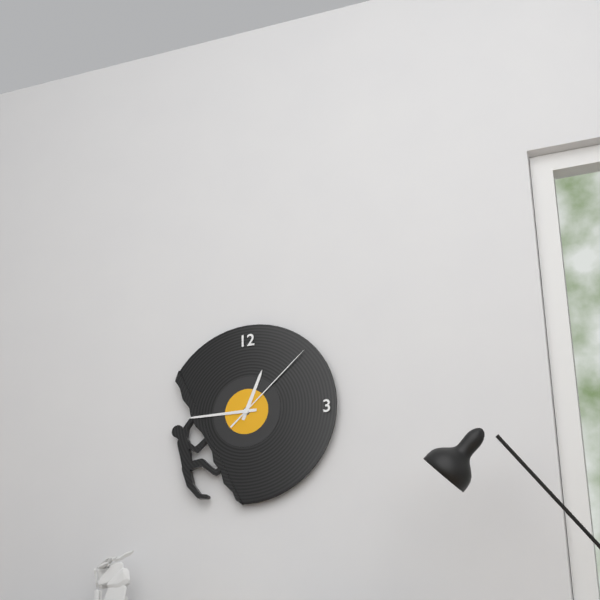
12:45:08
